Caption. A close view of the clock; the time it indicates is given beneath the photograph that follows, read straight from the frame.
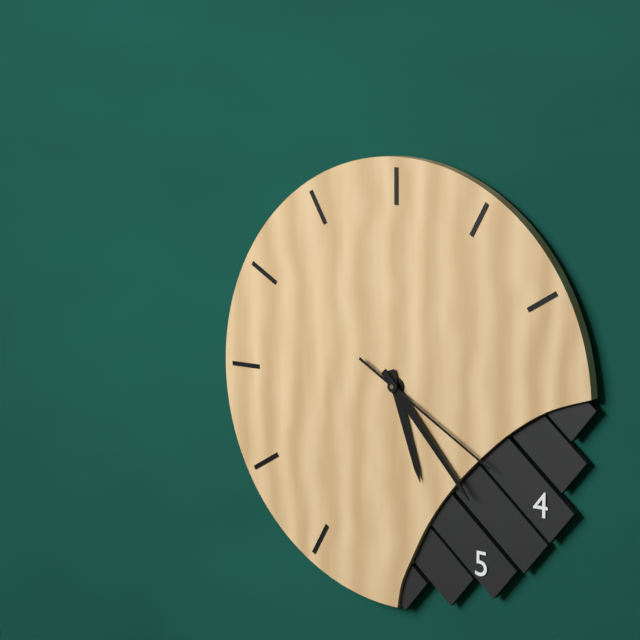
5:23:20
